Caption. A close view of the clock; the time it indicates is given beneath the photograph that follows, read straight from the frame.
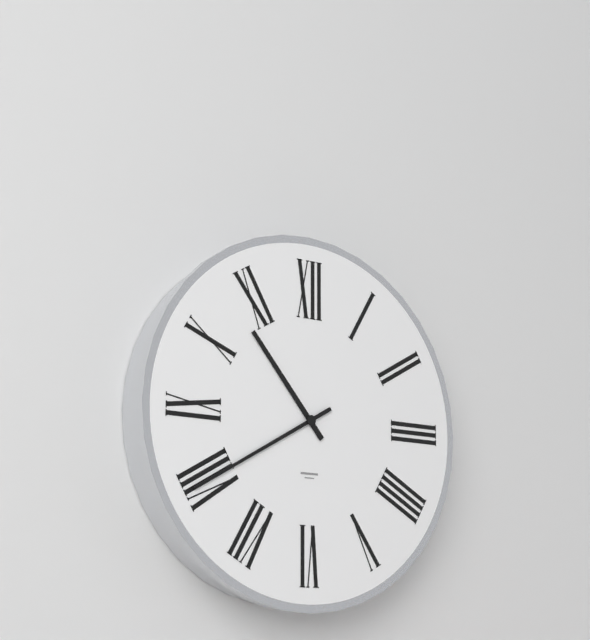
10:40
